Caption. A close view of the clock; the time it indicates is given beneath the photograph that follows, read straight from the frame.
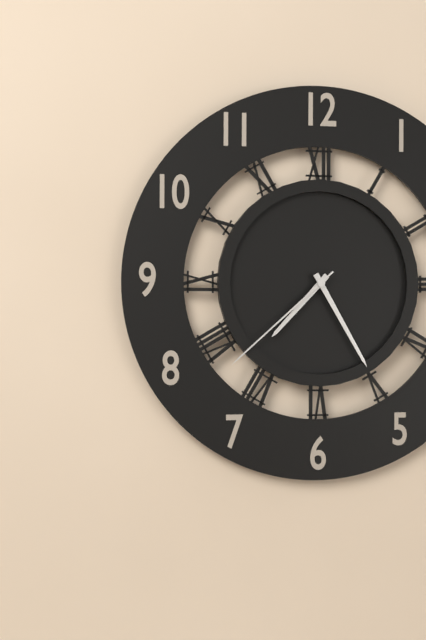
7:25:38
